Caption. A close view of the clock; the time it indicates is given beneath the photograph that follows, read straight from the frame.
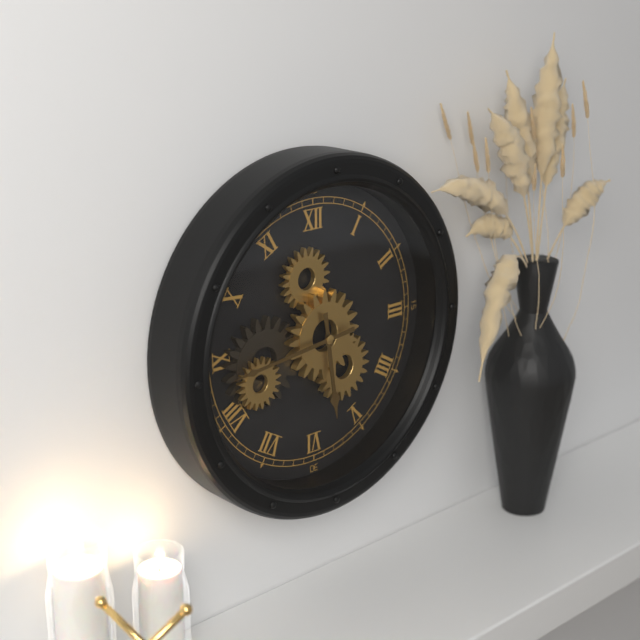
5:44
